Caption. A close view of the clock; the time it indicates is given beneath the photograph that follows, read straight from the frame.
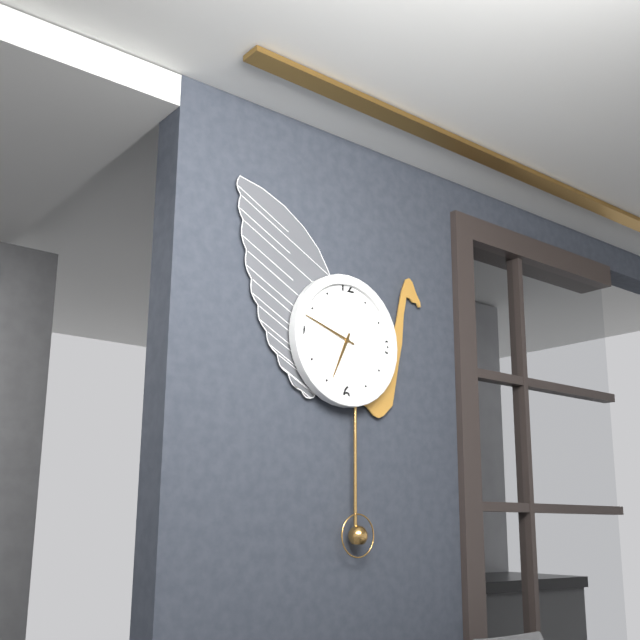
6:48
